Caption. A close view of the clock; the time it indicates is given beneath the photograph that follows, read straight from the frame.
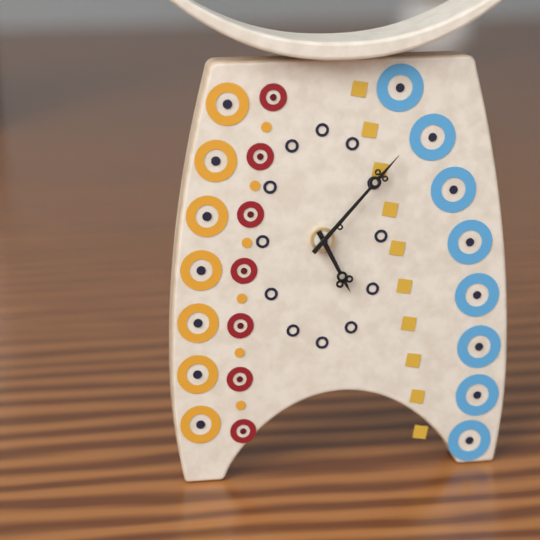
5:07
